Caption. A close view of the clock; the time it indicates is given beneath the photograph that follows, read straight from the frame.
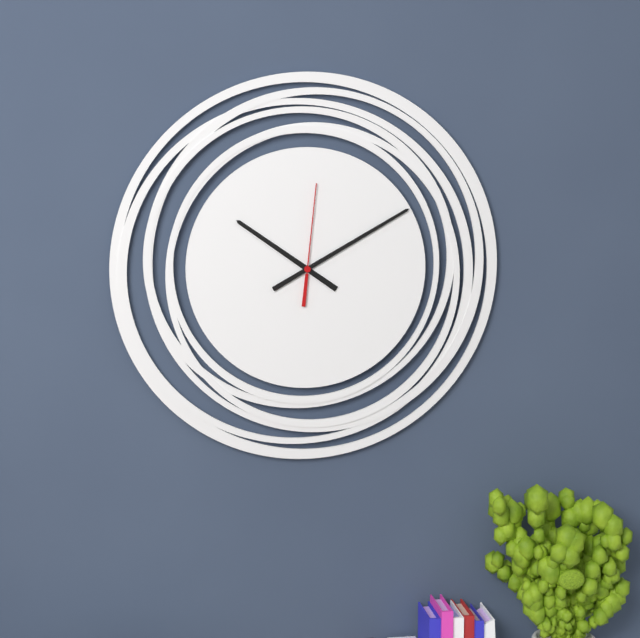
10:10:01
